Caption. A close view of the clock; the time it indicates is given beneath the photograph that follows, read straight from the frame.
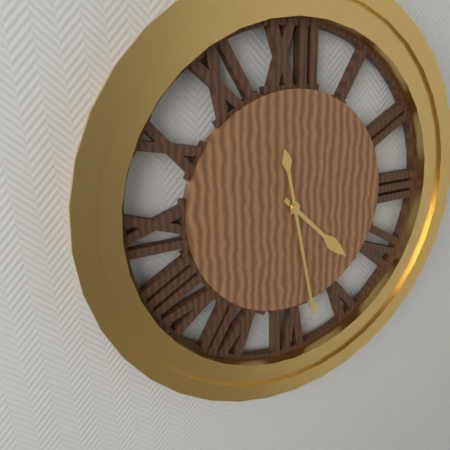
4:28
